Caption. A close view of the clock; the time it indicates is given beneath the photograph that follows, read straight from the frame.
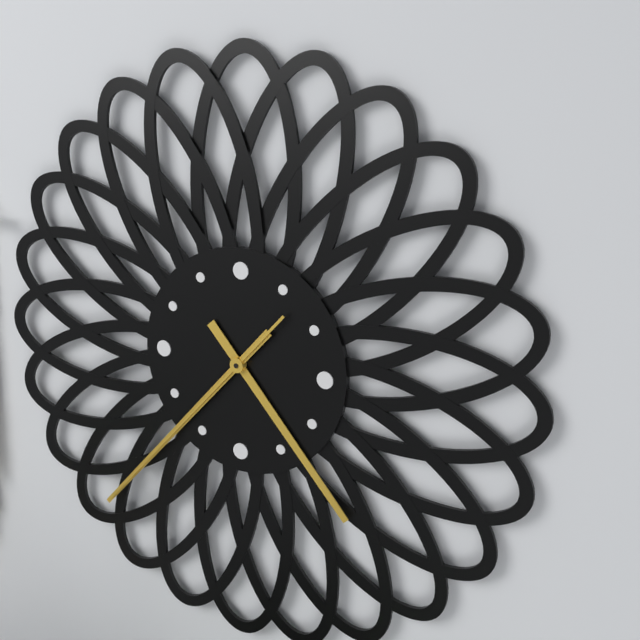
4:37:37
